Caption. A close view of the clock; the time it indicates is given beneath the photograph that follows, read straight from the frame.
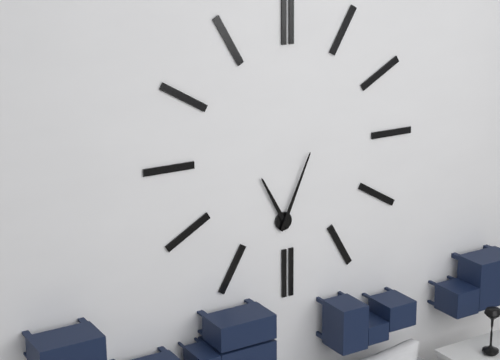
11:04
